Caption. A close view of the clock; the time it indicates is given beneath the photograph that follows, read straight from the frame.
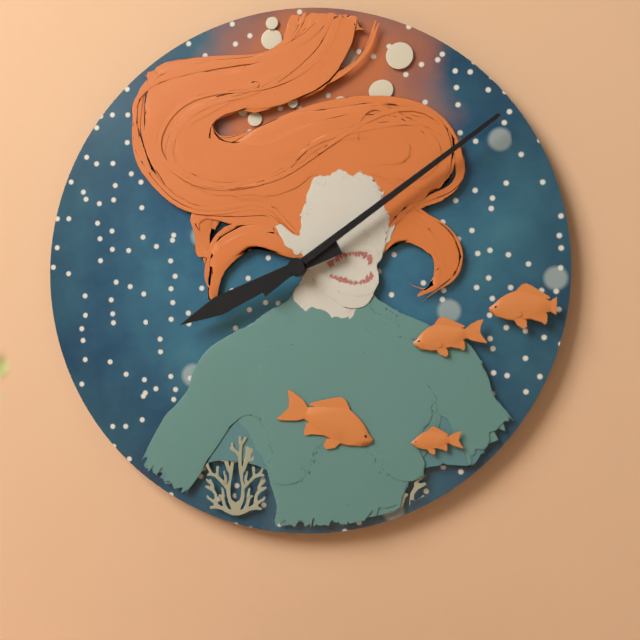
8:09
